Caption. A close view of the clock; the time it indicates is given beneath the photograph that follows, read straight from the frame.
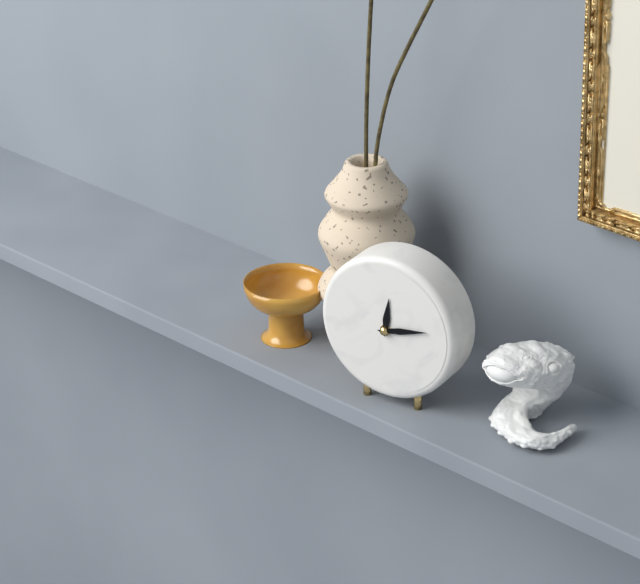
12:13
